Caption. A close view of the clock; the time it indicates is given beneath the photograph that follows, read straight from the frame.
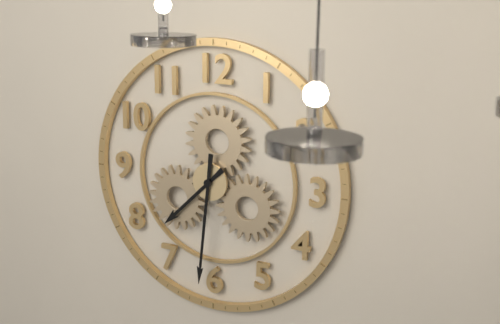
7:31
